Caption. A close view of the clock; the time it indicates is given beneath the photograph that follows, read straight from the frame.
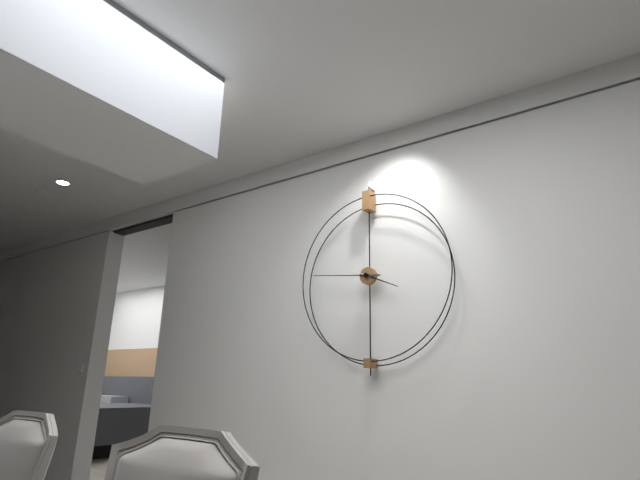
3:46
